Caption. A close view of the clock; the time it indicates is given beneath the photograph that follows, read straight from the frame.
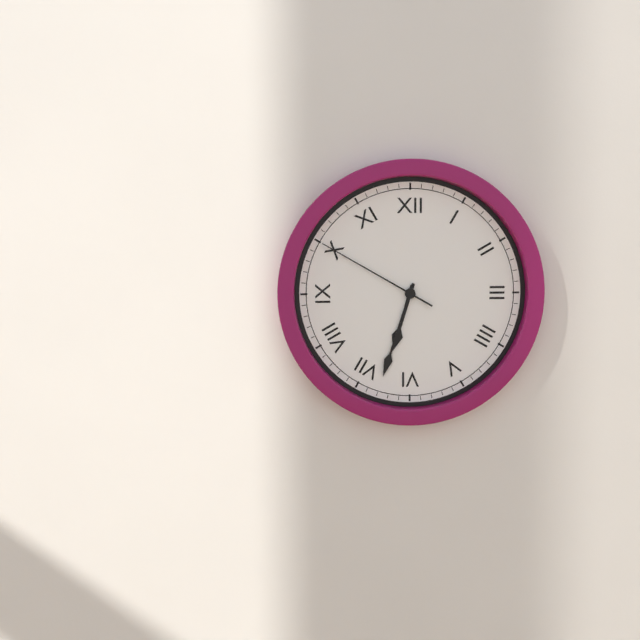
6:33:50
